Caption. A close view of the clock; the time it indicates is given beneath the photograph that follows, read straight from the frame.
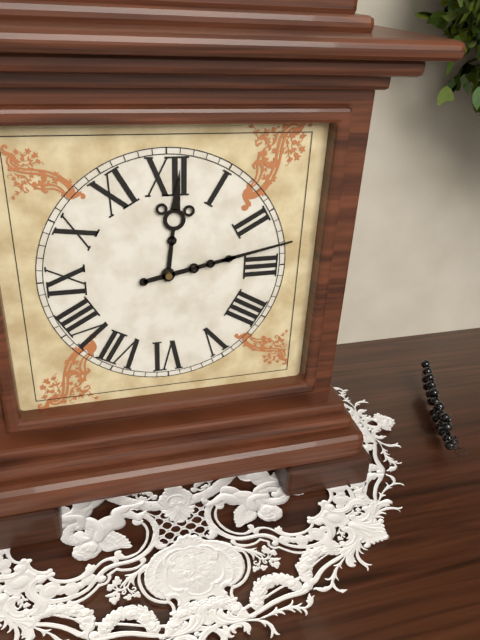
12:13
